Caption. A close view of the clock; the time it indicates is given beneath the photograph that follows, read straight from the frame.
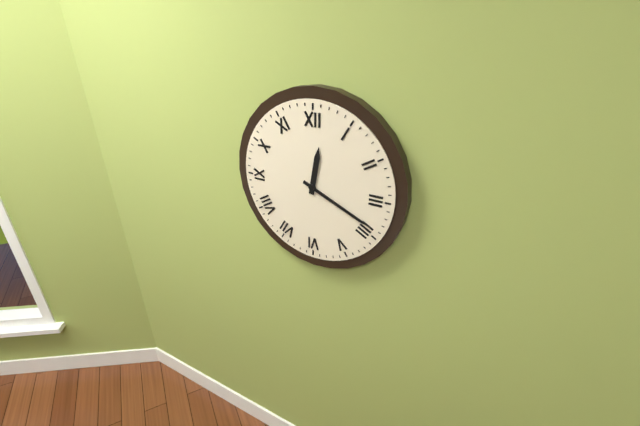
12:19
